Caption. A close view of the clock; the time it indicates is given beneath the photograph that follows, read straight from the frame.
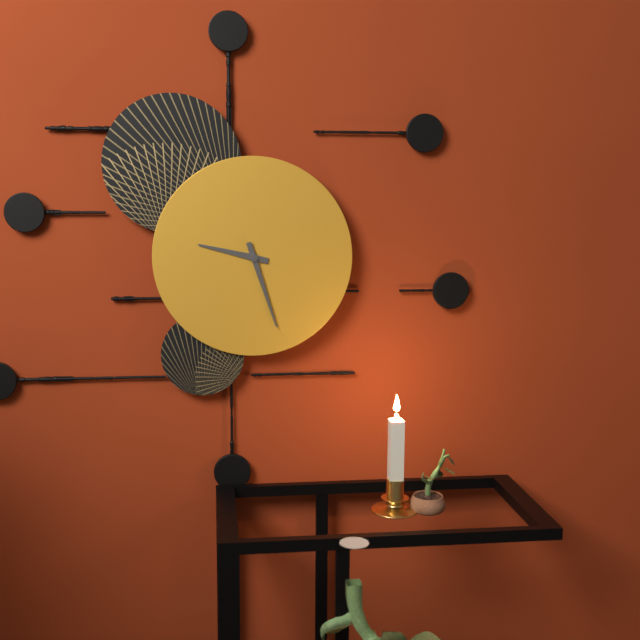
9:27
